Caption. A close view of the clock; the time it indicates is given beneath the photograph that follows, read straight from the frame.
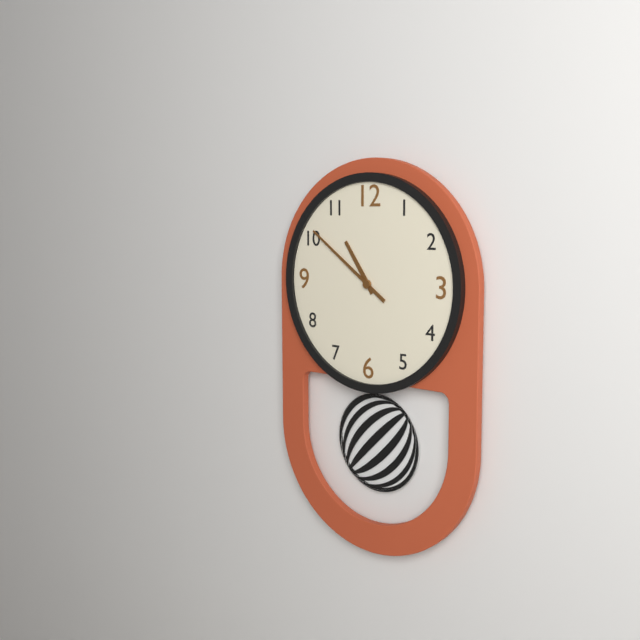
10:51
